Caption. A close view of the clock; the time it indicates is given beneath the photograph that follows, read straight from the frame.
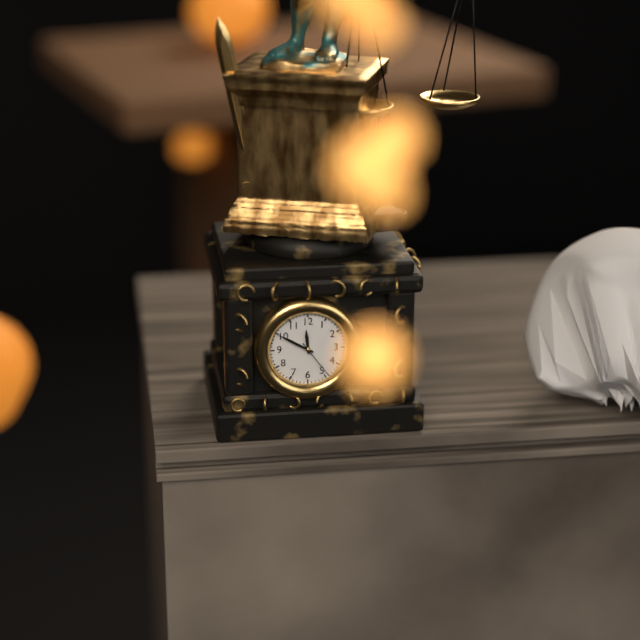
11:50
